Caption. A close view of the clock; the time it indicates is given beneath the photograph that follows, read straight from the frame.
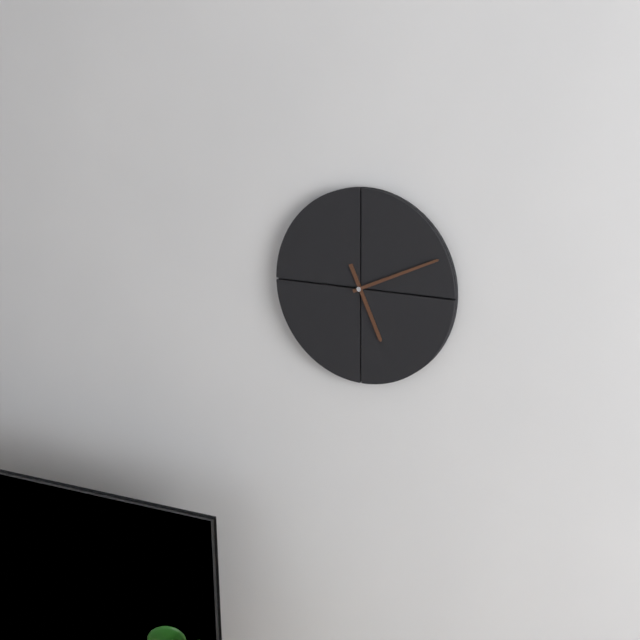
5:11
